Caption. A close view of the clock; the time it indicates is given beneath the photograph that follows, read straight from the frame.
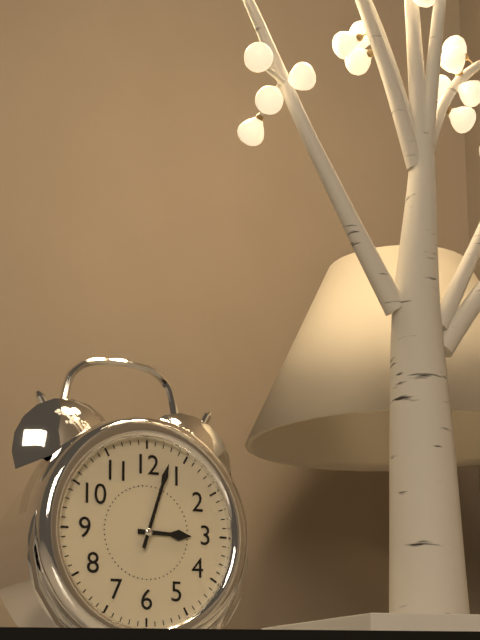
3:03
